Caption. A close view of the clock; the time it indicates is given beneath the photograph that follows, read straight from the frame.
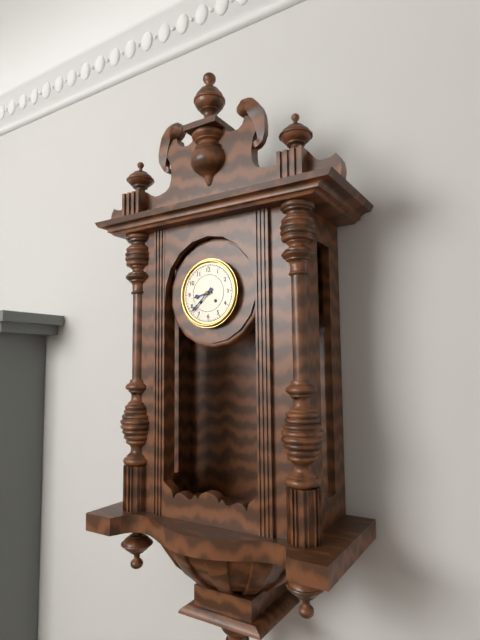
8:38
